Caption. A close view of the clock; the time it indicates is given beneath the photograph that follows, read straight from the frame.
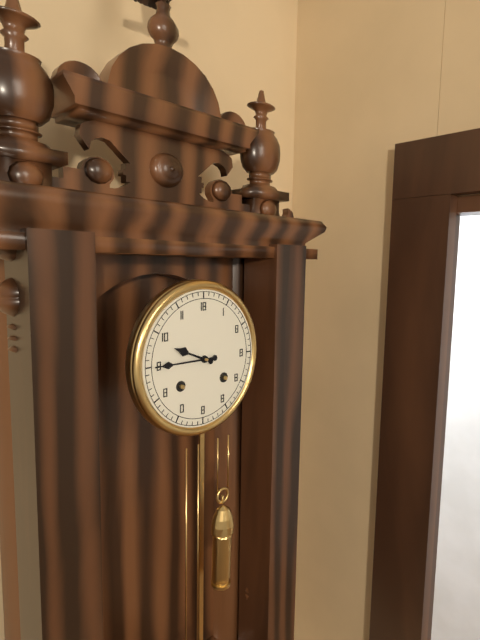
9:45
